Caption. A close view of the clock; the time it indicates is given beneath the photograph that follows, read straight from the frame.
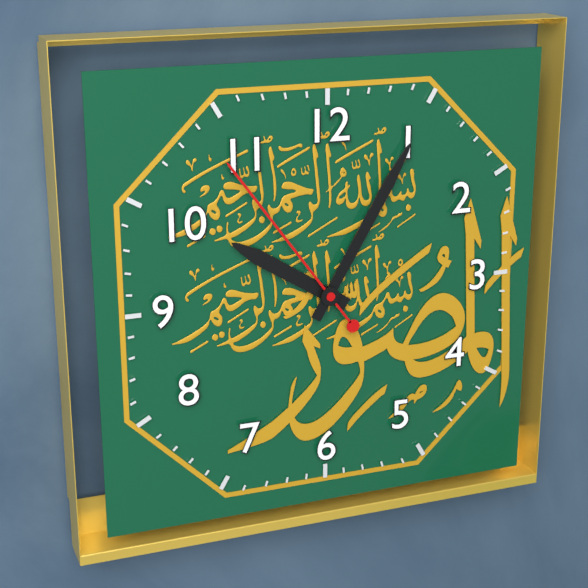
10:05:54
